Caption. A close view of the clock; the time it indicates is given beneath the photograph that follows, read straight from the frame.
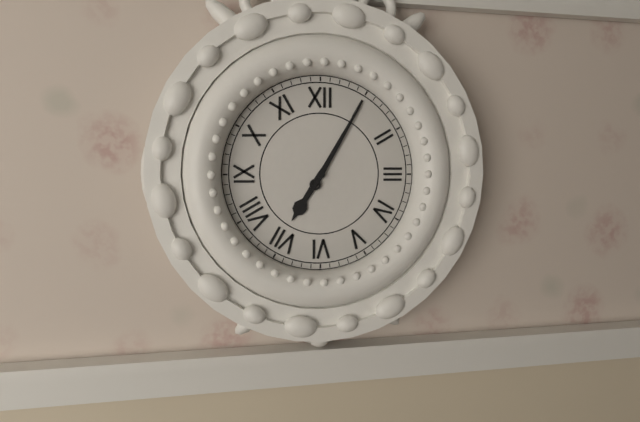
7:05
